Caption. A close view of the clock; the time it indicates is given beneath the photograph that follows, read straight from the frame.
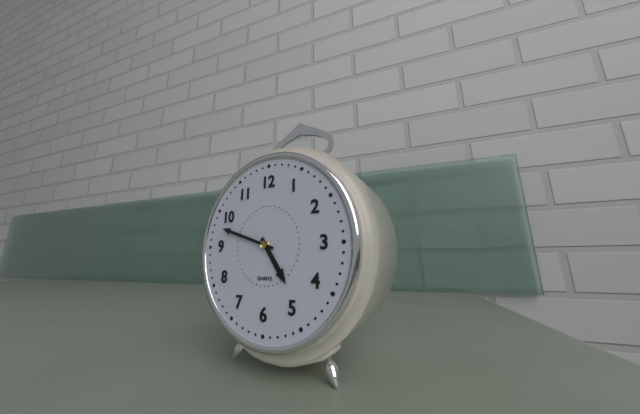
4:48
